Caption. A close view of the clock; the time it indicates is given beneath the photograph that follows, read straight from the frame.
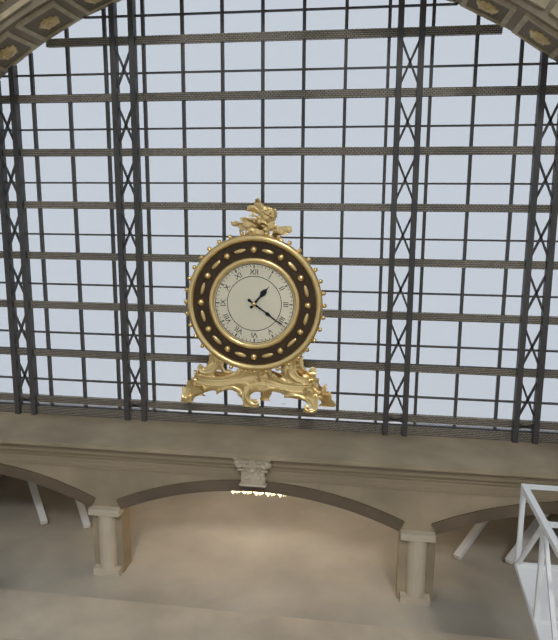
1:21
